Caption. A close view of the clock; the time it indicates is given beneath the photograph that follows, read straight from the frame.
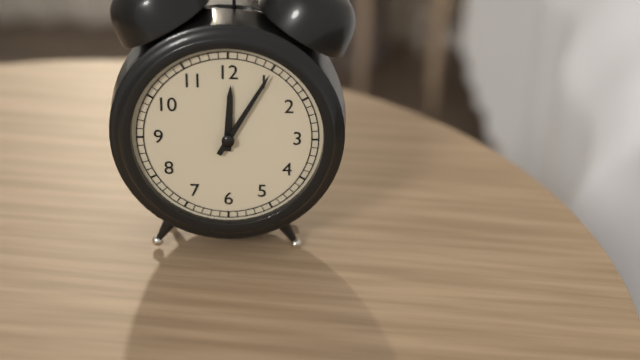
12:05
